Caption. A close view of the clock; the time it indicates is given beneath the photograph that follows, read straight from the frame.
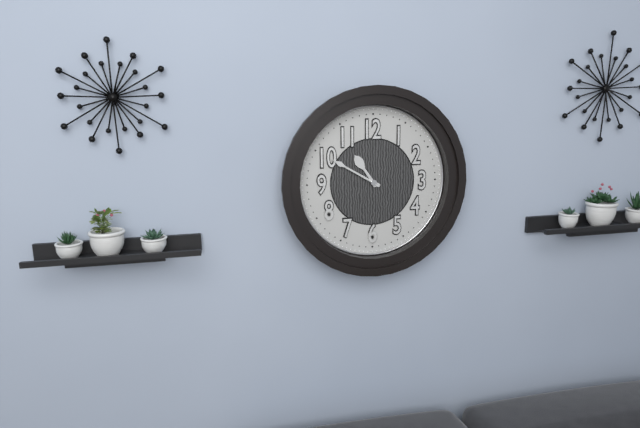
10:50
